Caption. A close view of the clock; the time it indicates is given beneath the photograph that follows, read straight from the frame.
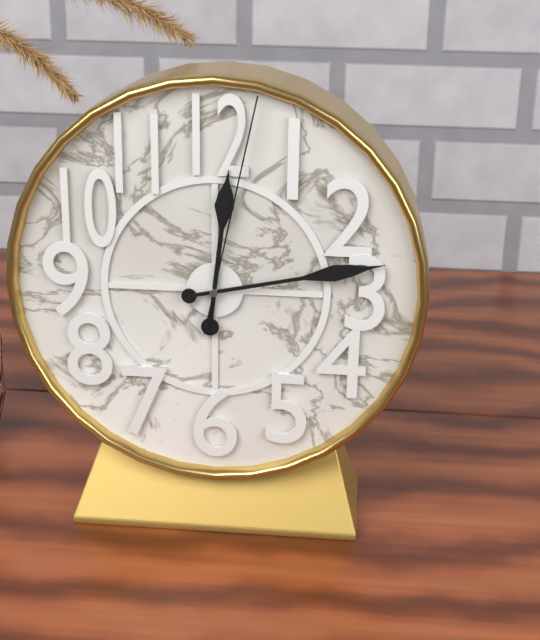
12:13:02
